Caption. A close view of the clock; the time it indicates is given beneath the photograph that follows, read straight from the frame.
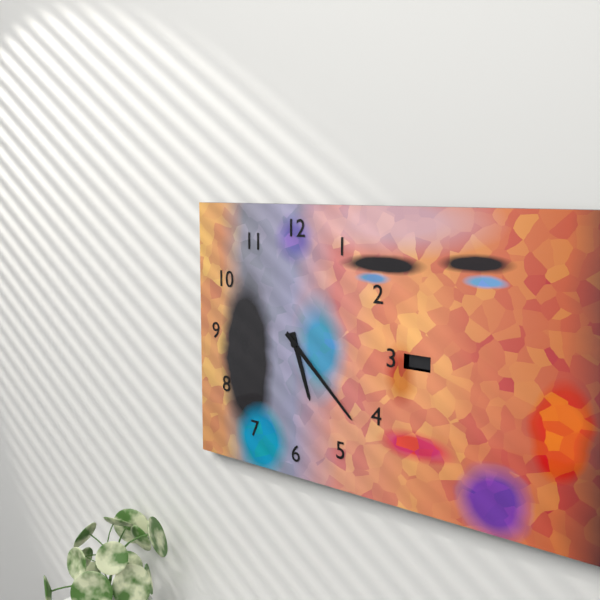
5:22
